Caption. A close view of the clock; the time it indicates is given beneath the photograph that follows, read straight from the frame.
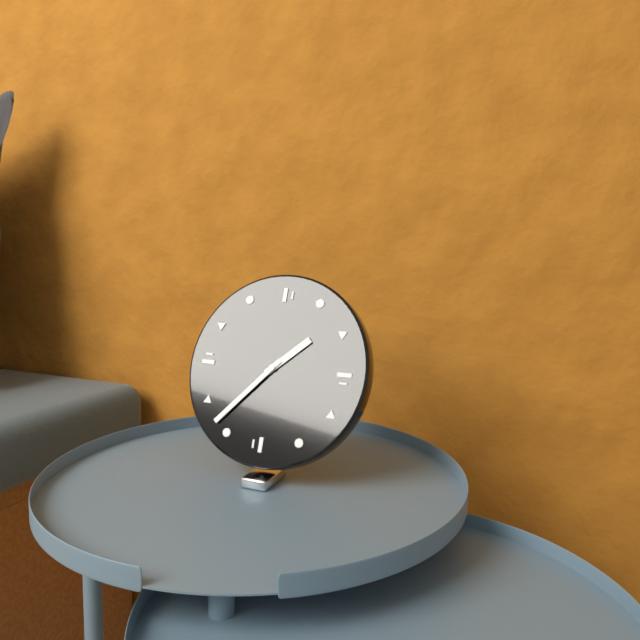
1:37
